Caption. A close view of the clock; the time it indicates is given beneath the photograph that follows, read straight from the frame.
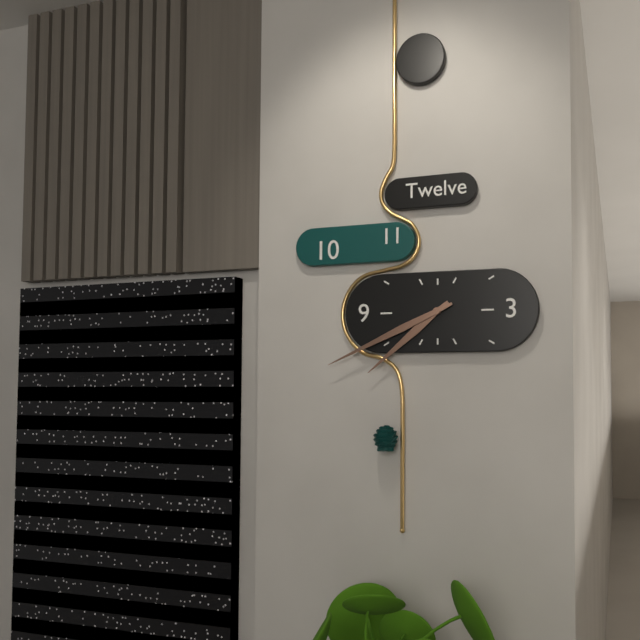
7:41
